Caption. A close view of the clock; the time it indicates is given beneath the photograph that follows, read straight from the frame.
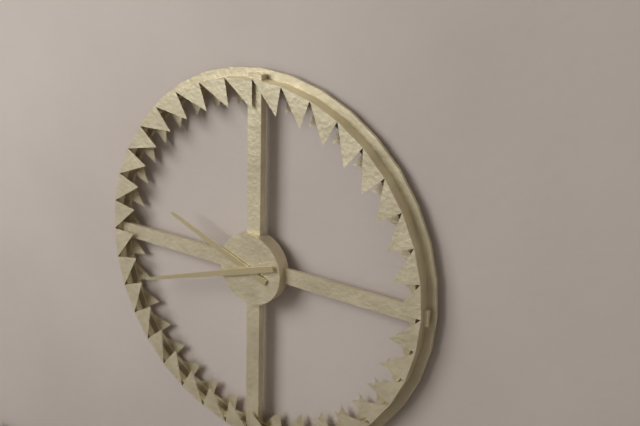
9:42
